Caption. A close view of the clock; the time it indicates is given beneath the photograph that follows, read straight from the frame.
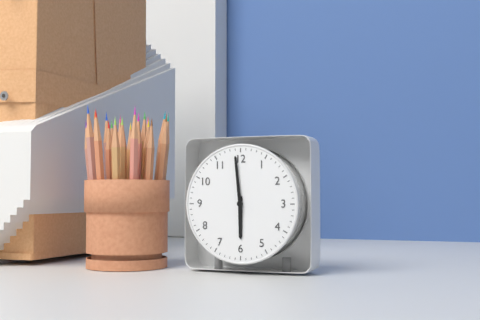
5:59
